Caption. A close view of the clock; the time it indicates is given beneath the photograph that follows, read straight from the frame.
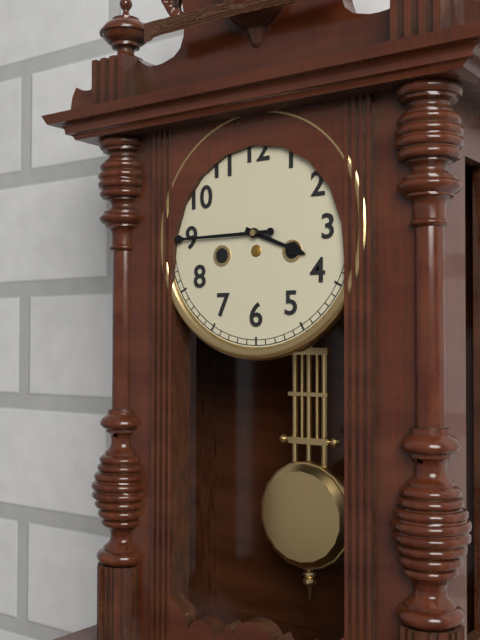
3:45
